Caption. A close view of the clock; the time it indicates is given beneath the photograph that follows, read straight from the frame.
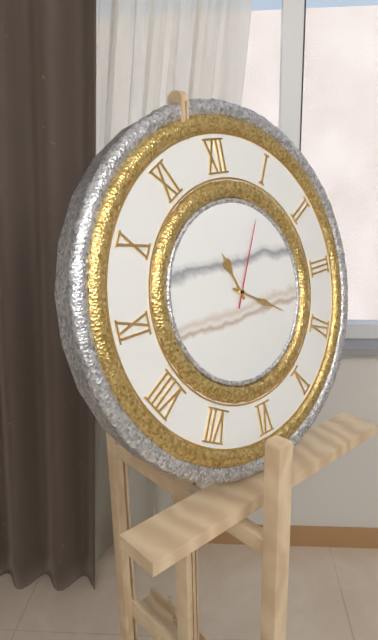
11:20:05
